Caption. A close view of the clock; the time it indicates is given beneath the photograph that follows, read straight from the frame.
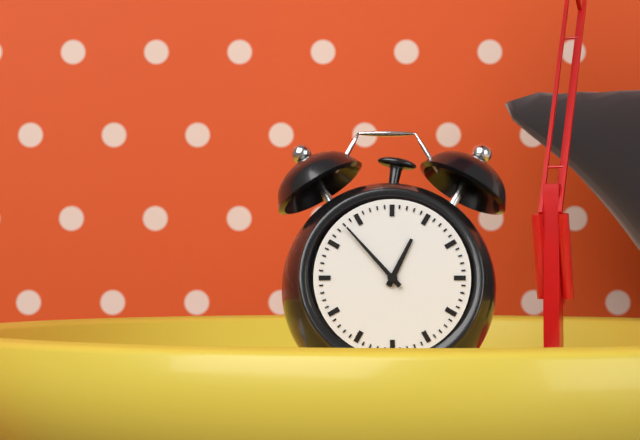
12:53
